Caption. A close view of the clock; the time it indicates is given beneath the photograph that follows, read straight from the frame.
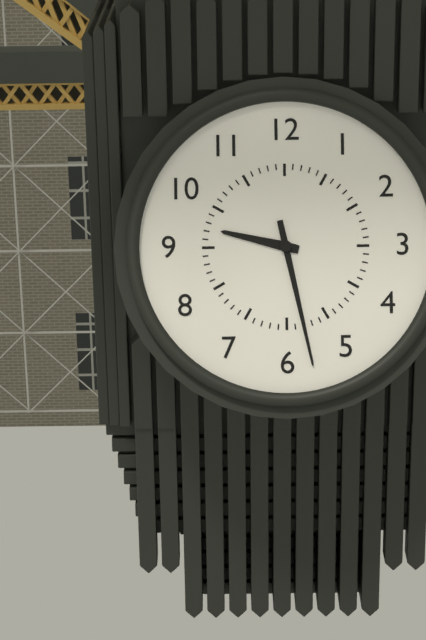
9:28
